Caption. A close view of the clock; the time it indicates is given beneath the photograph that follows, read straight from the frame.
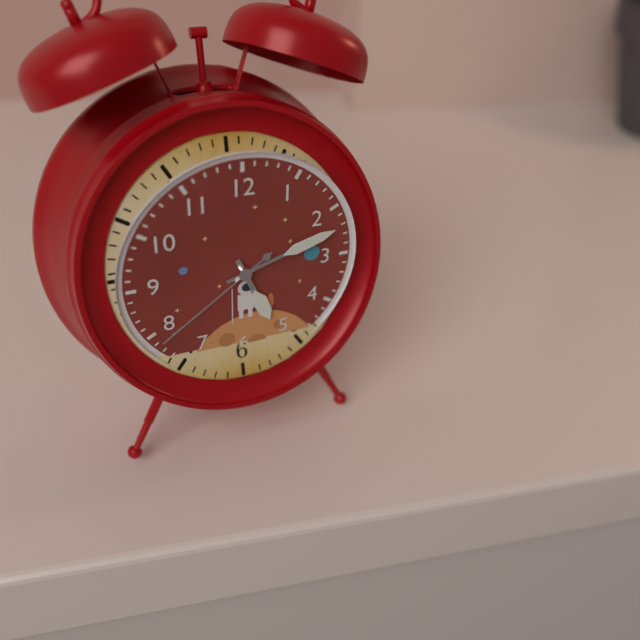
5:12:39
